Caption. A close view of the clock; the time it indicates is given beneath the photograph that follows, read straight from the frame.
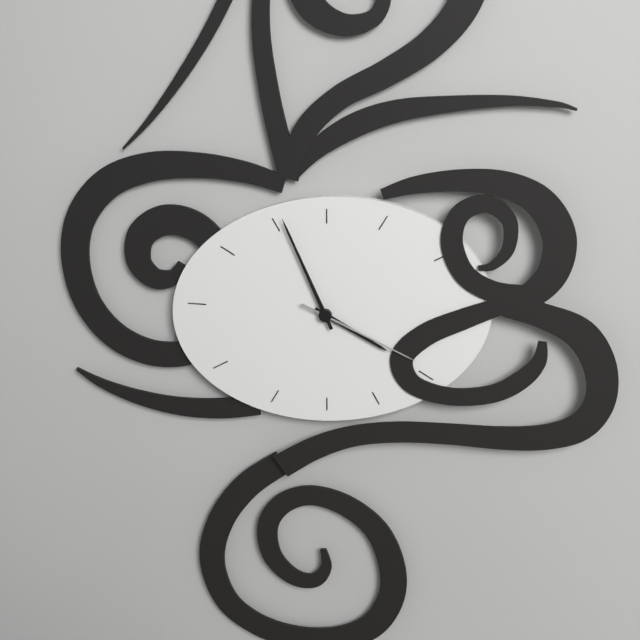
3:56:19
